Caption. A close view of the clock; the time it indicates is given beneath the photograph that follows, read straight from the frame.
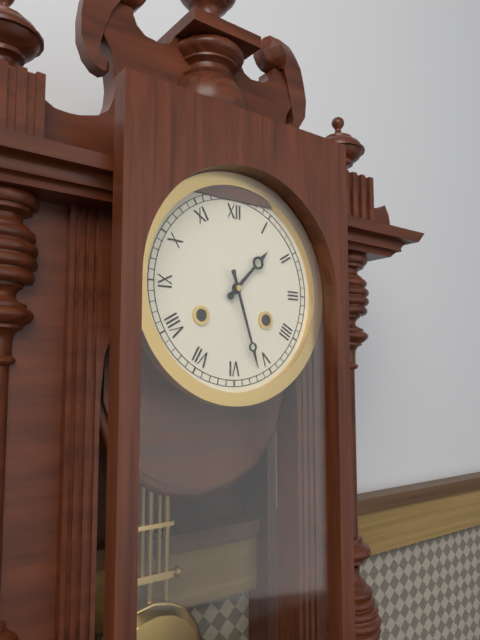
1:27
